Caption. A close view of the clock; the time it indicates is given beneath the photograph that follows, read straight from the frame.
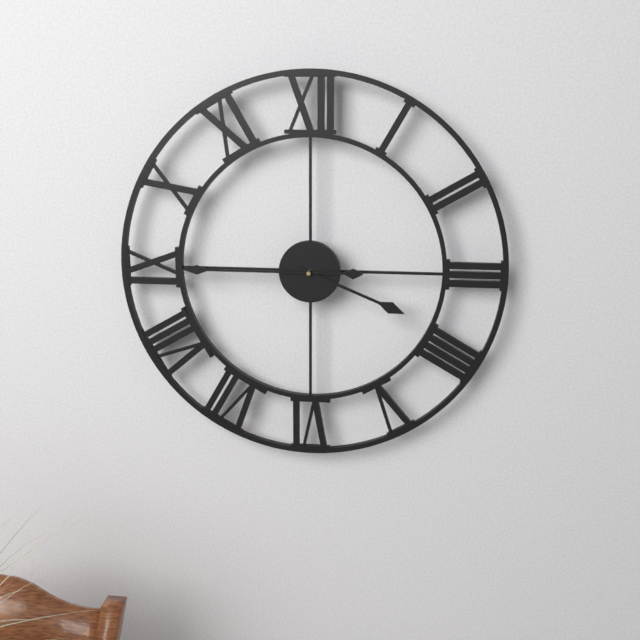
3:45
